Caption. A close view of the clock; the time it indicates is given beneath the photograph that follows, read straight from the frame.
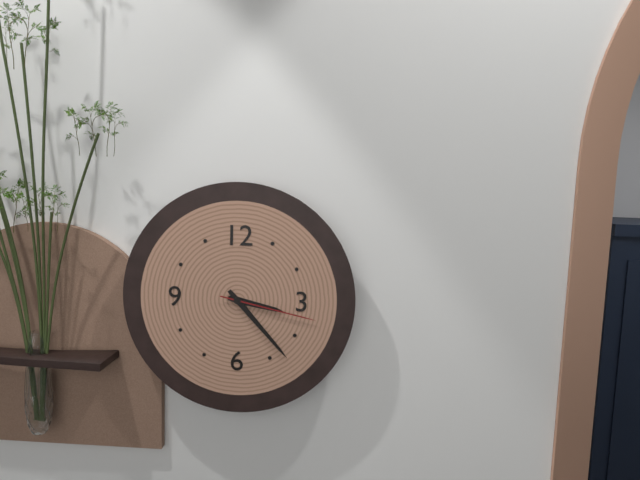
3:23:17
